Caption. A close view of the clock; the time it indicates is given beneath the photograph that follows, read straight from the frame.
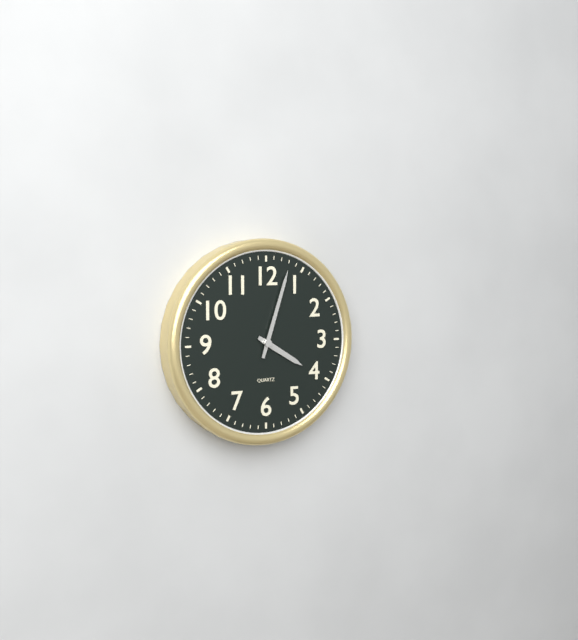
4:03
